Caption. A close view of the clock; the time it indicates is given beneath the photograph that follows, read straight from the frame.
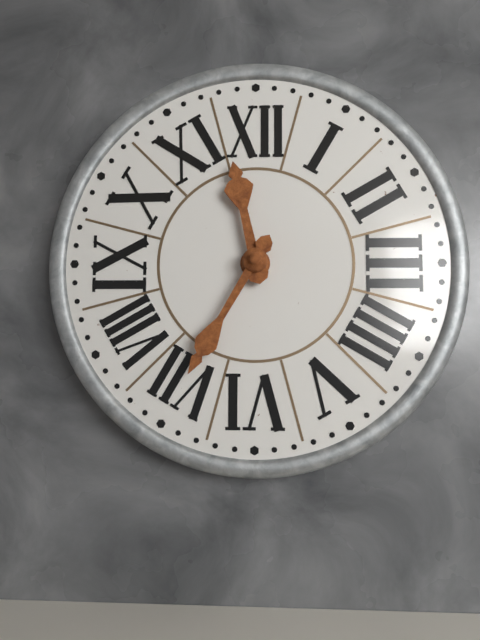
11:35
